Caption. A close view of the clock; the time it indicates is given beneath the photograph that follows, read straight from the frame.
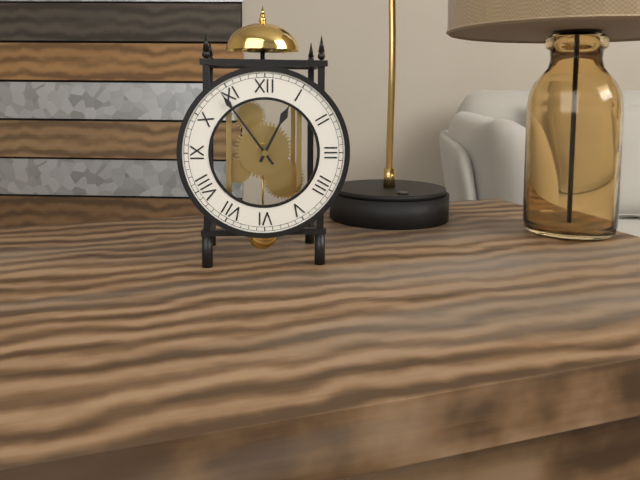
12:54
